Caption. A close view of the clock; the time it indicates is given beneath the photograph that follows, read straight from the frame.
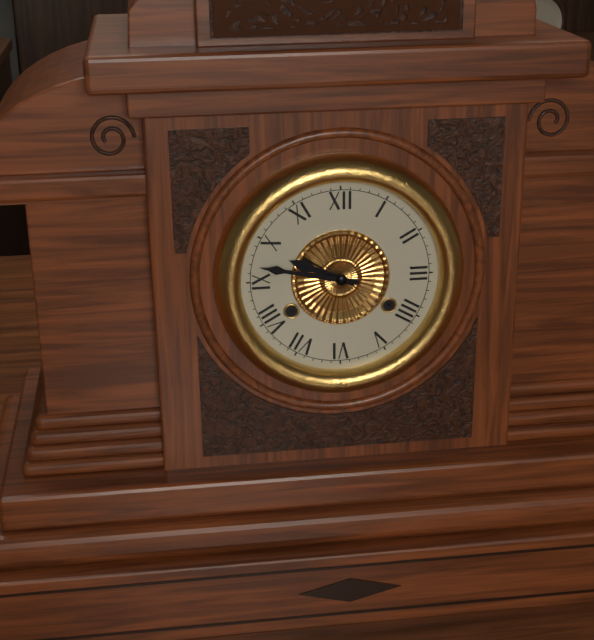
9:47
